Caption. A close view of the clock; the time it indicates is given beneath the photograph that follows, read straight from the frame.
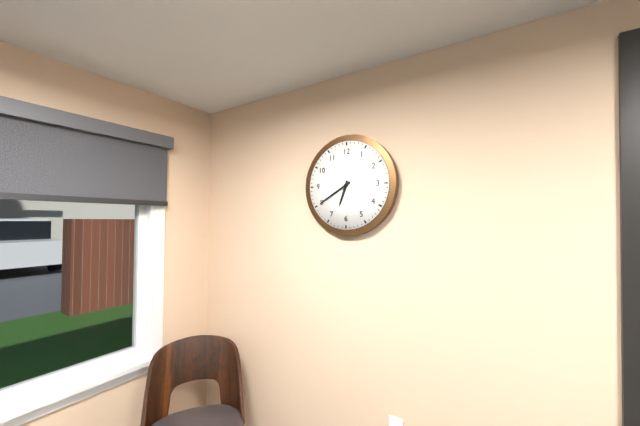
6:40
